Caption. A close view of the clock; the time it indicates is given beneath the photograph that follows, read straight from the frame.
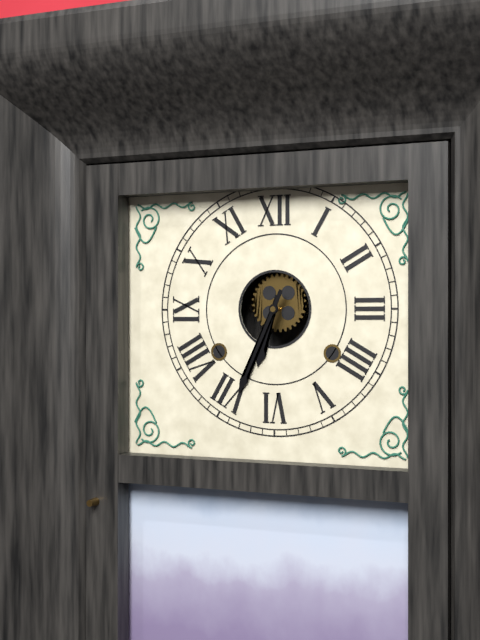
6:34
